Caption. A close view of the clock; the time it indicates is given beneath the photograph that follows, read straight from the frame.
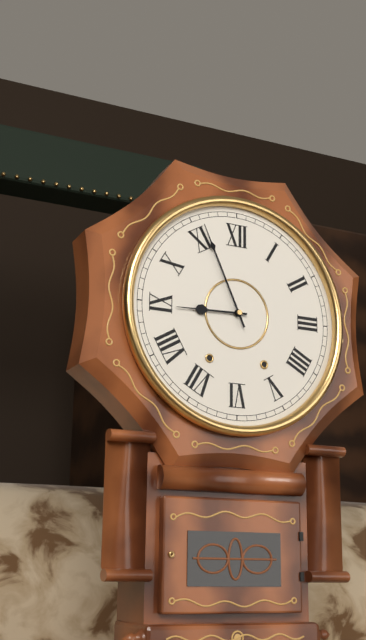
8:56
